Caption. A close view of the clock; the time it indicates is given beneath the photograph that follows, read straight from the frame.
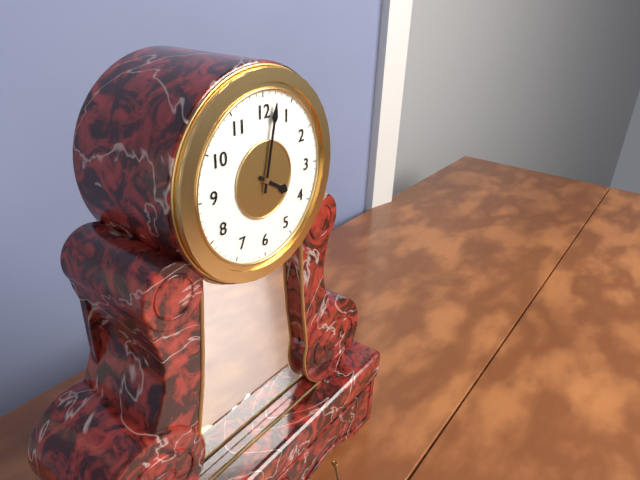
4:02
